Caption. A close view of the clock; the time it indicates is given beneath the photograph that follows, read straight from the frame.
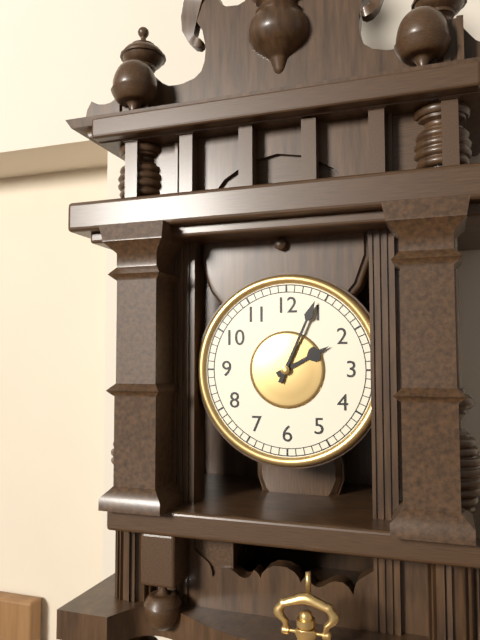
2:04
